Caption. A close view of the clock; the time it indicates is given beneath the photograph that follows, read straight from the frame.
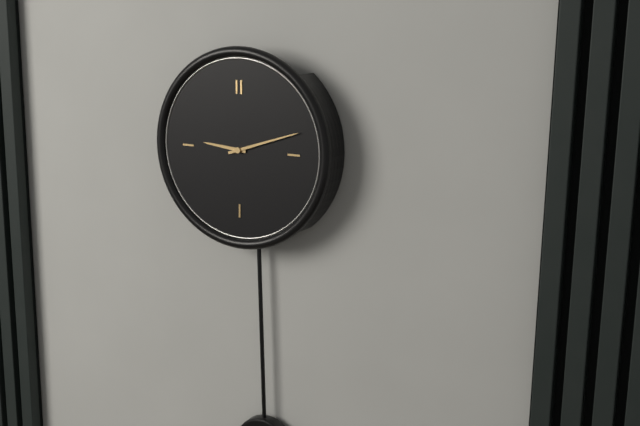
9:12
